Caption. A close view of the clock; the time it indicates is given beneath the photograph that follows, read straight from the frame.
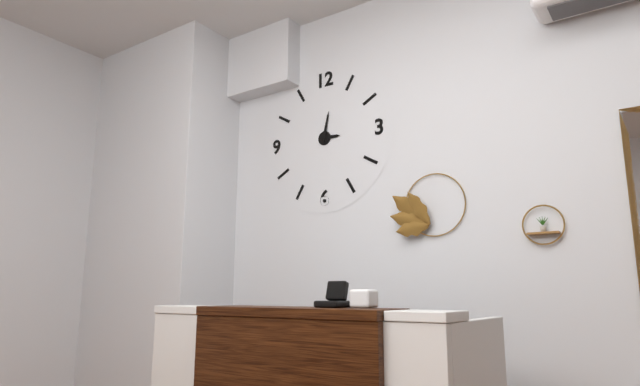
3:02
